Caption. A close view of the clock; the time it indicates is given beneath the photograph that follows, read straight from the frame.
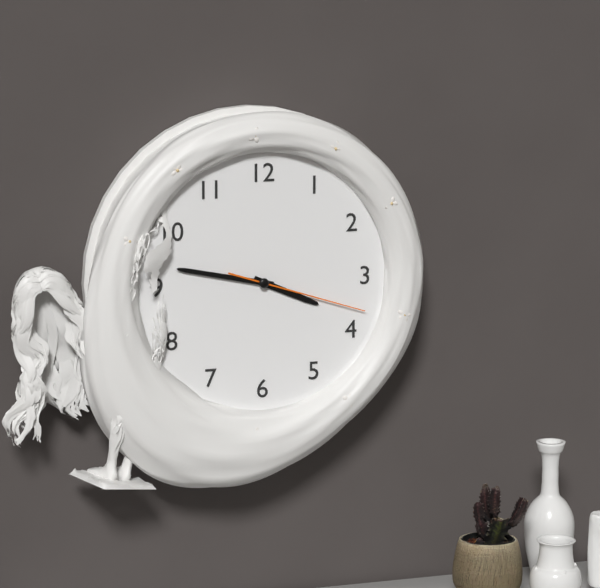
3:47:18
